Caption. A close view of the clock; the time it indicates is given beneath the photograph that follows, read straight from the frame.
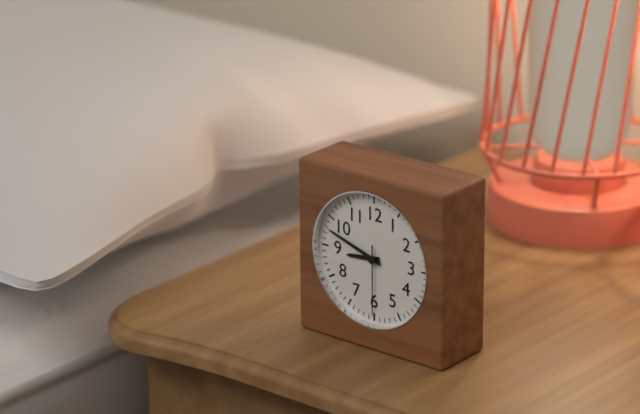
8:48:30
